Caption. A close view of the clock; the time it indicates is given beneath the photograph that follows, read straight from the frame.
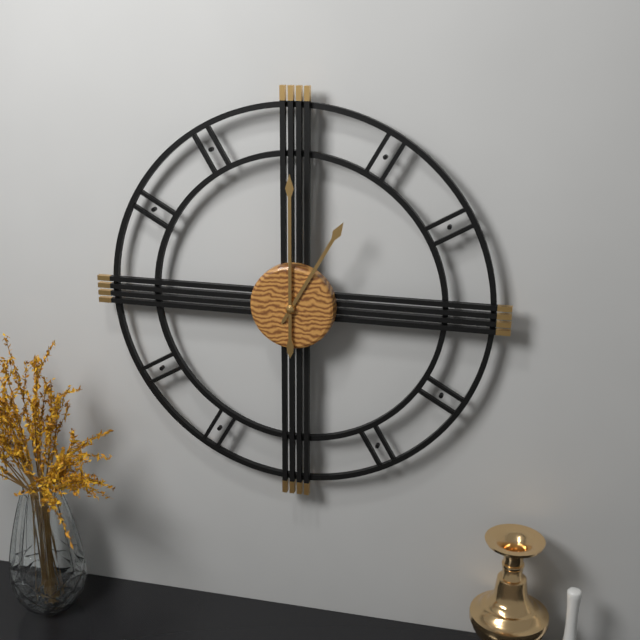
1:00
